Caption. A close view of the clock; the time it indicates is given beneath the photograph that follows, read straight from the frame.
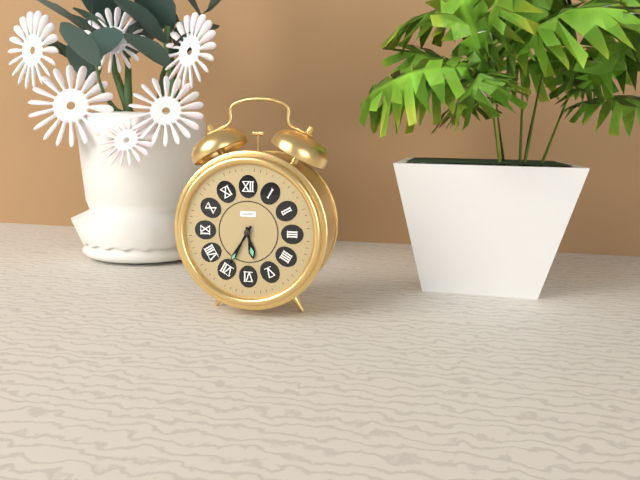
5:35
